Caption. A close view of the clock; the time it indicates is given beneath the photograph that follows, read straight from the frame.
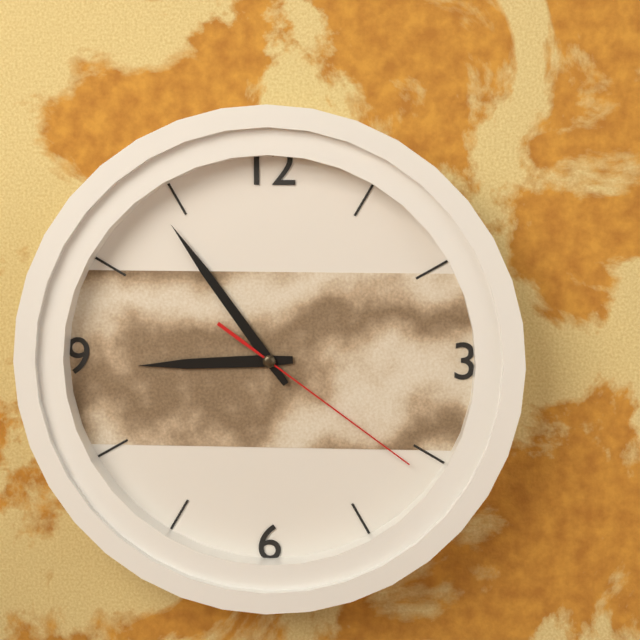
8:54:21
